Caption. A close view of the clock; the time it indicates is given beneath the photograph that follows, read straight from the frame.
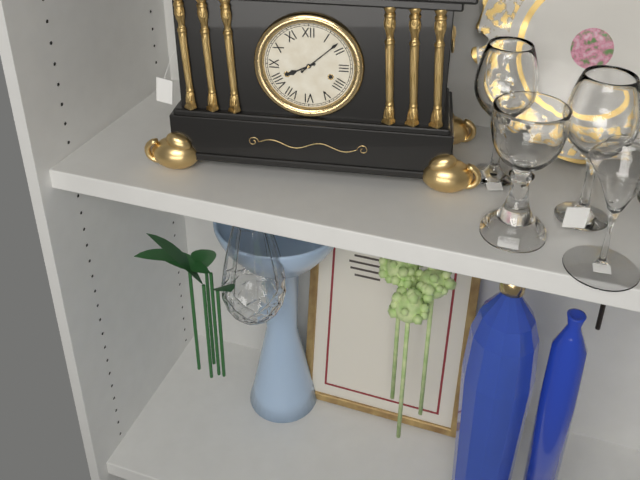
8:08
